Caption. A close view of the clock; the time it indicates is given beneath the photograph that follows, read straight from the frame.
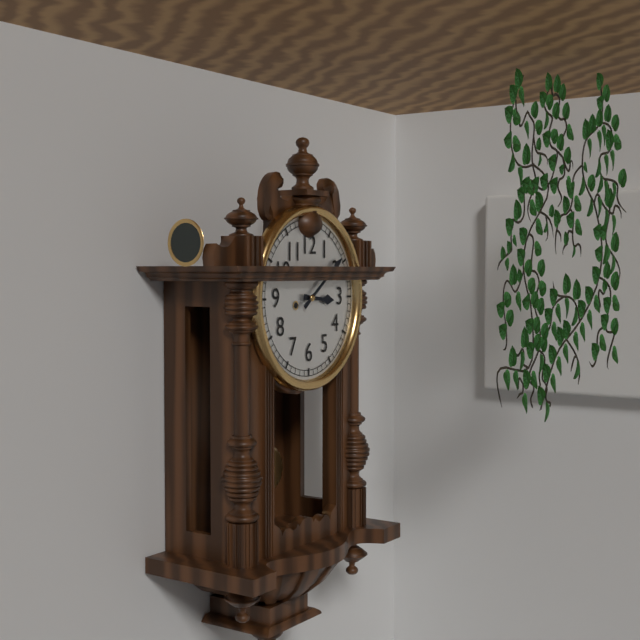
3:09
